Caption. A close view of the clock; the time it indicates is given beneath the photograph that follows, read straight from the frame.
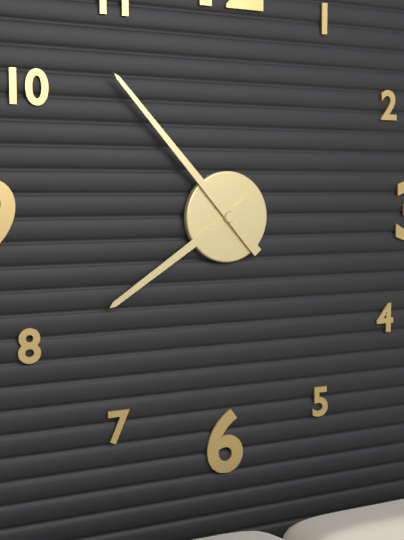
7:53
